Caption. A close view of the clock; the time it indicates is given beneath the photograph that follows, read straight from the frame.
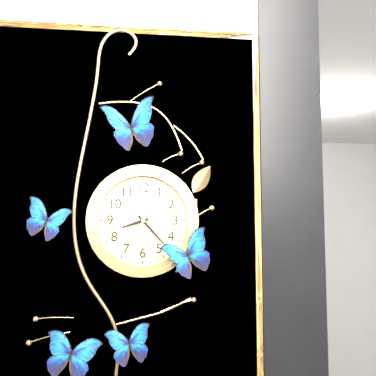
8:23
